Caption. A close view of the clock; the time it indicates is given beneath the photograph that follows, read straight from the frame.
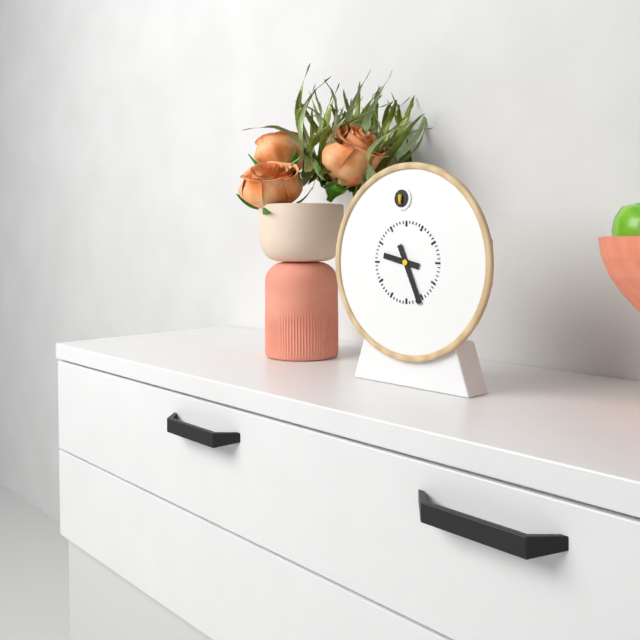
9:26
